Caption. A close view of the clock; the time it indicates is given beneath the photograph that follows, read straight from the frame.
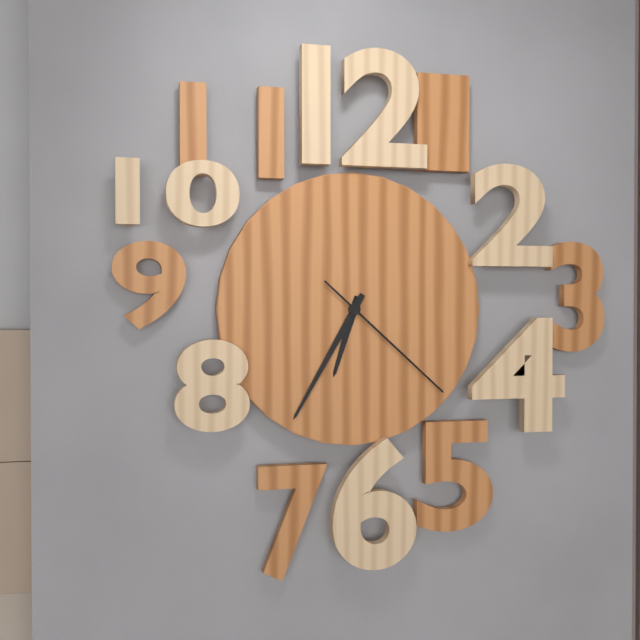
6:35:22
